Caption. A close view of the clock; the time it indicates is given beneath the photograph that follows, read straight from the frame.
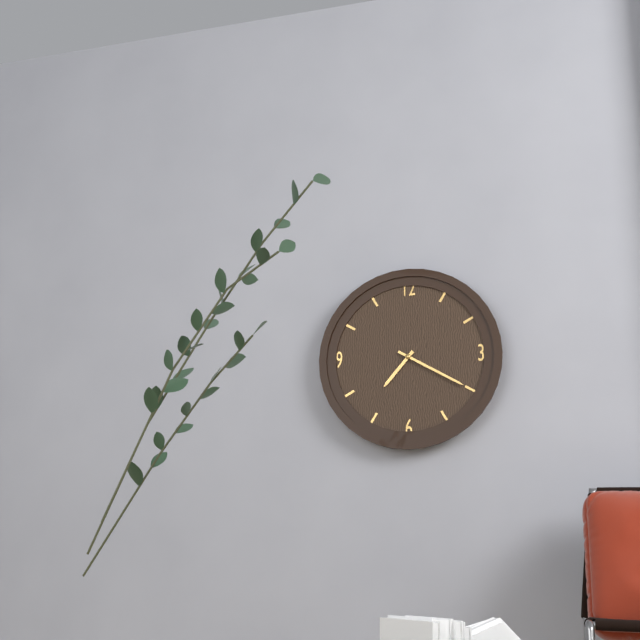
7:20
